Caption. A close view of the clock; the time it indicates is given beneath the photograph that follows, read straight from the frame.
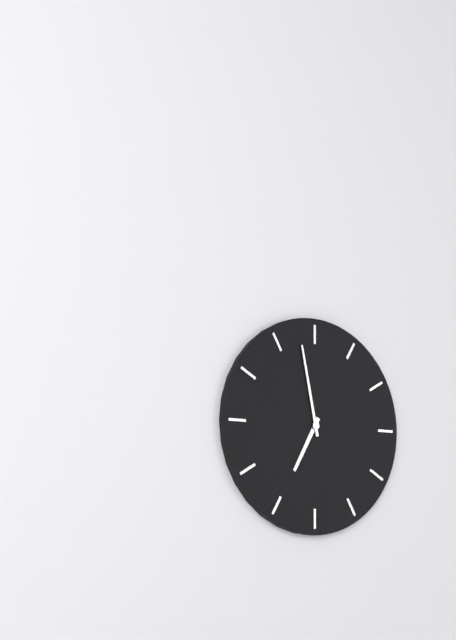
6:58
